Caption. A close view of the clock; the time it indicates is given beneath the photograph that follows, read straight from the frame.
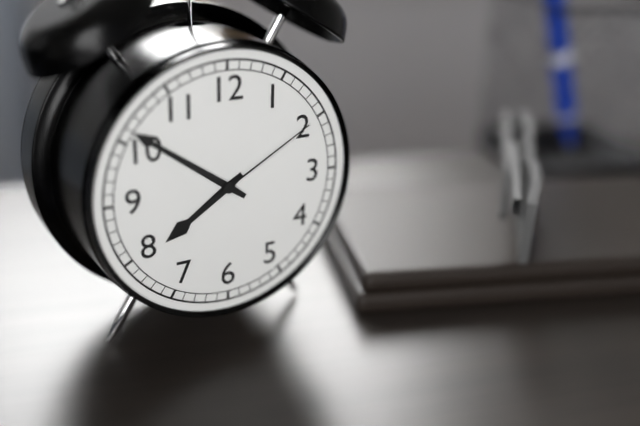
7:51:10
